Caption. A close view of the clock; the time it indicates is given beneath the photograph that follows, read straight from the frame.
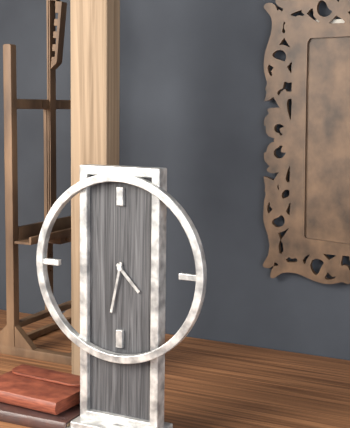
4:32
